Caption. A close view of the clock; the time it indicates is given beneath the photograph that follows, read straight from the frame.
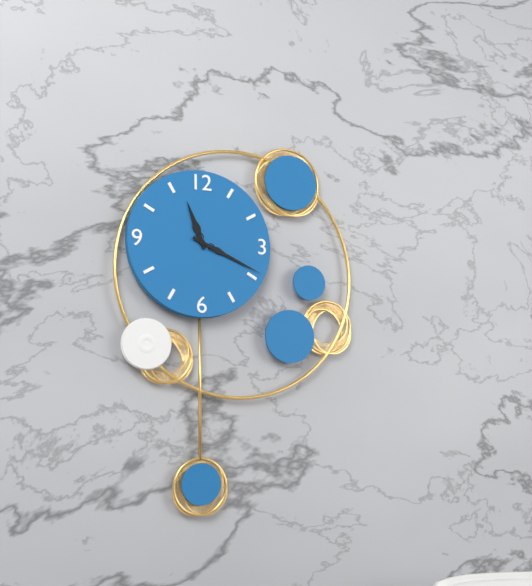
11:19
